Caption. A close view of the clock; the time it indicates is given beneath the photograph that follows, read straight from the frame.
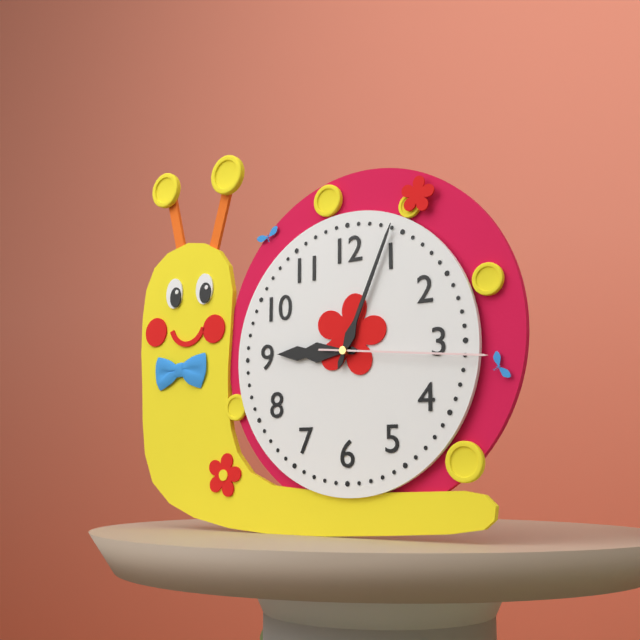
9:04:16
